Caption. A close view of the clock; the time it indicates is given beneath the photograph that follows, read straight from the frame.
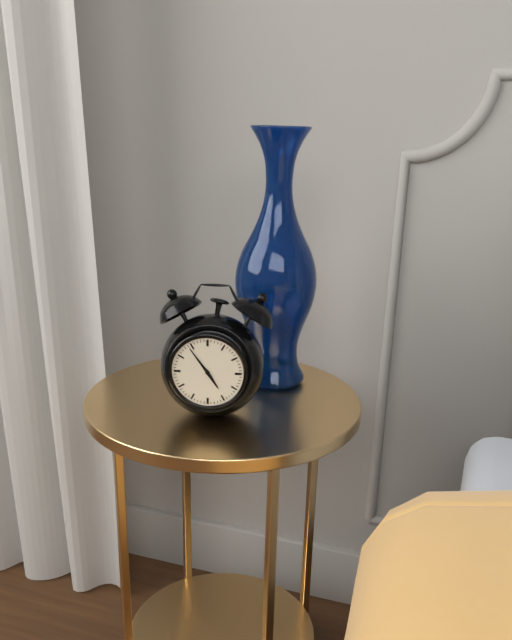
4:54
